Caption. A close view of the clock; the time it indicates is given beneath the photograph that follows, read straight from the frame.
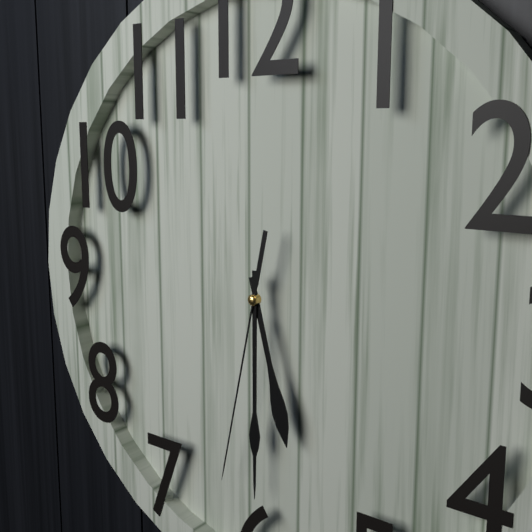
5:30:32
